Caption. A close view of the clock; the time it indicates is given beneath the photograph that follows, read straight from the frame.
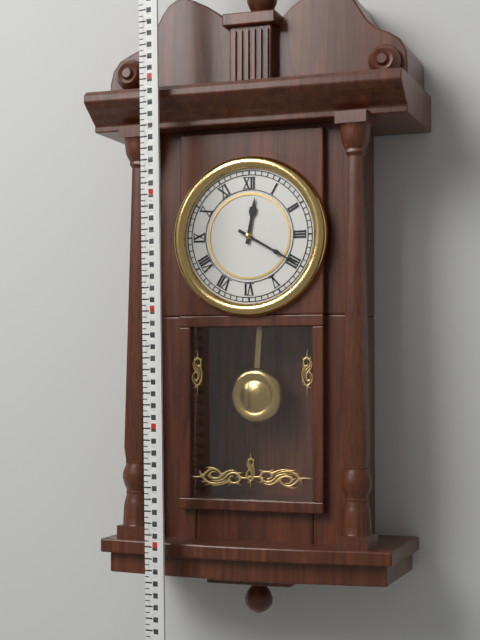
12:20
